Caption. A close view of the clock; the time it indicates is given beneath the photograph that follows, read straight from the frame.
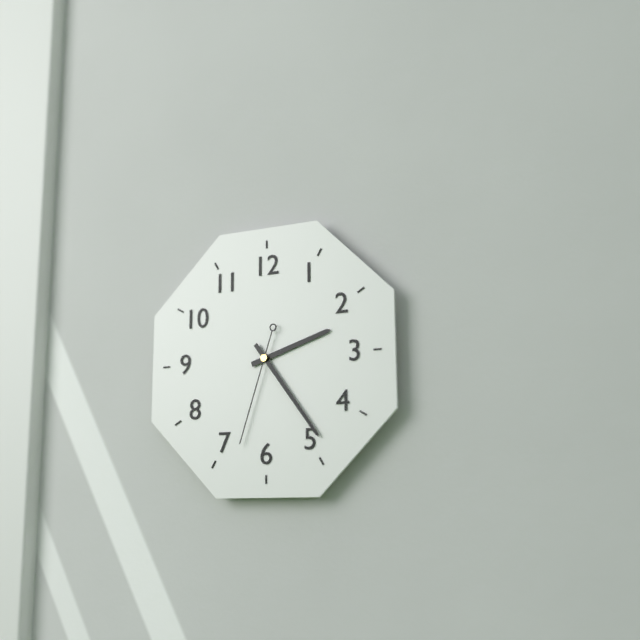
2:24:33
